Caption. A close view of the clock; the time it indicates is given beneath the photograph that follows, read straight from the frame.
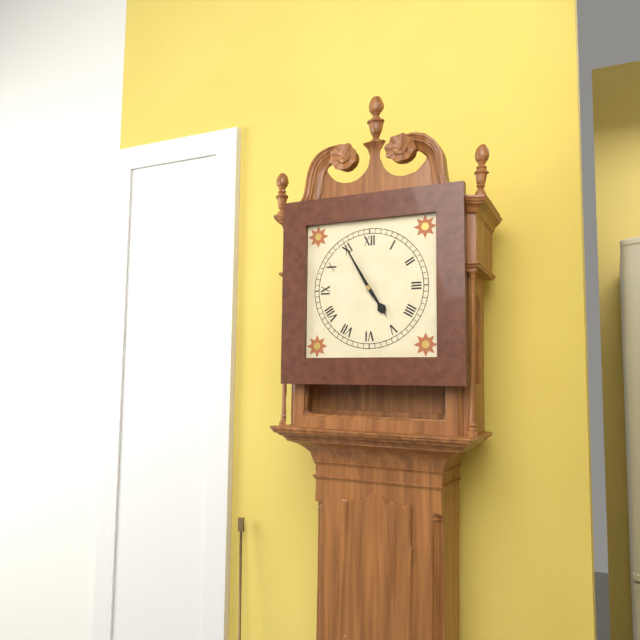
4:55
